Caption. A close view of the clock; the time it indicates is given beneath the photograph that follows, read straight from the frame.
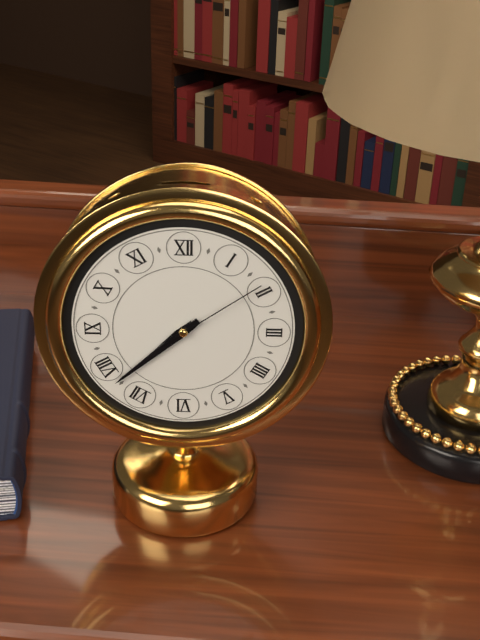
7:38:09
